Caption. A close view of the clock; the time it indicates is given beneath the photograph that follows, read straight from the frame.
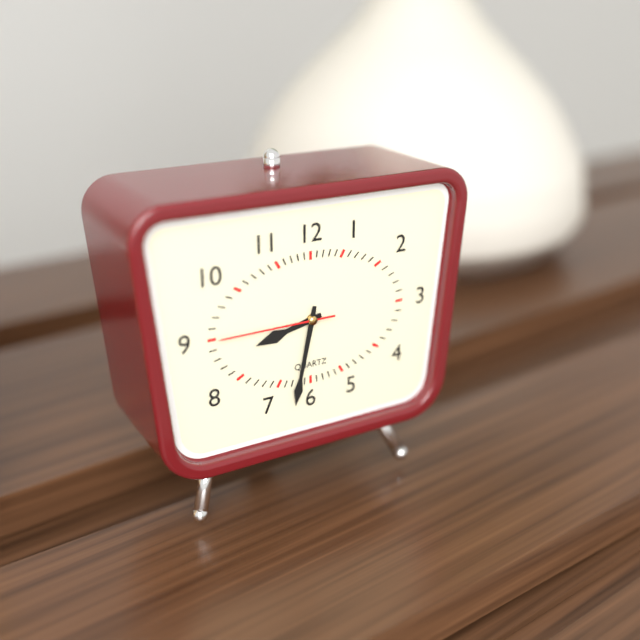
8:32:45
